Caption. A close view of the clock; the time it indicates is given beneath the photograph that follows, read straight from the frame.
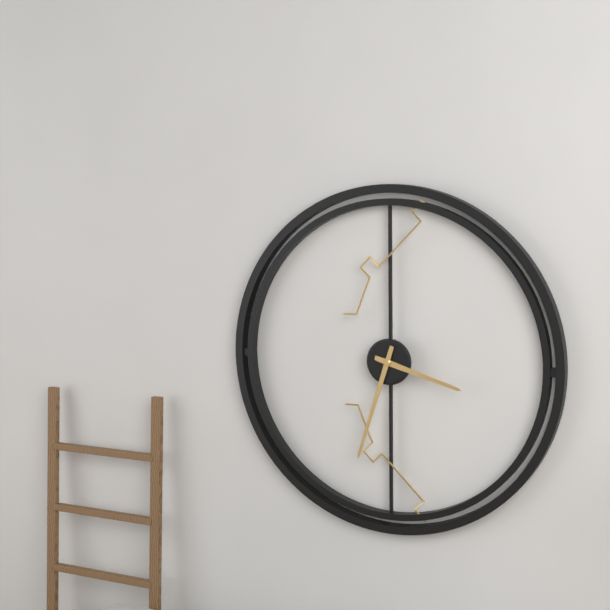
3:33
